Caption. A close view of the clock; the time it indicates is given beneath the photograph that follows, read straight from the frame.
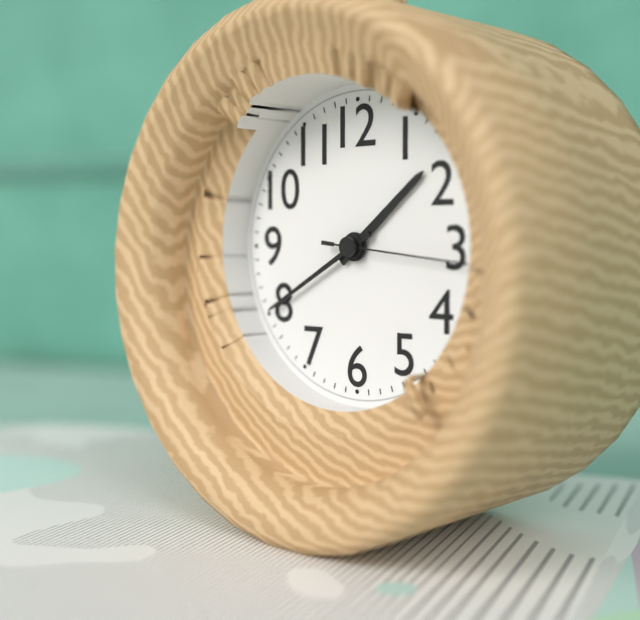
1:40:16
